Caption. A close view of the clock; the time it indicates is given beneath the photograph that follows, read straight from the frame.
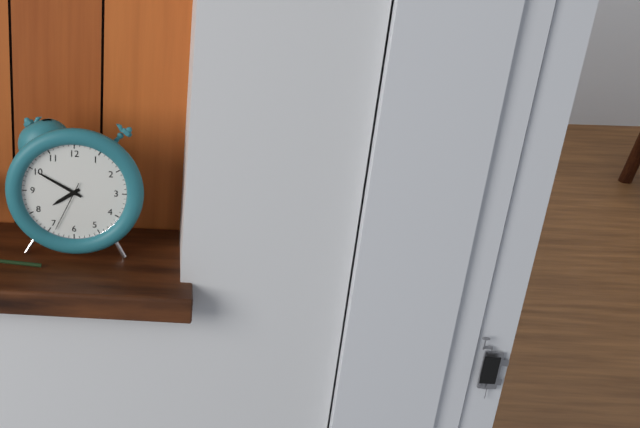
7:50:34
